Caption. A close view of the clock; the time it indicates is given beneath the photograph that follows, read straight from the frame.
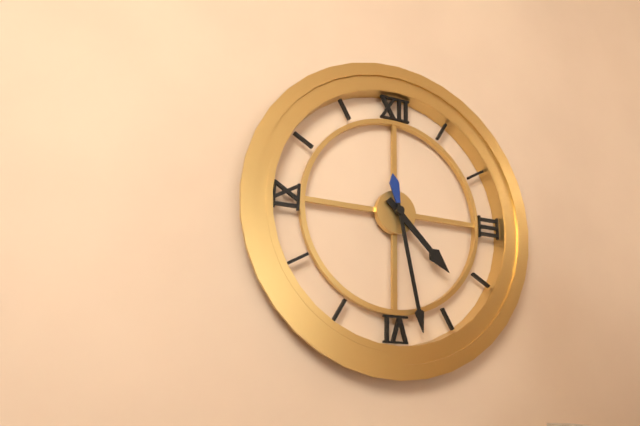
4:28
